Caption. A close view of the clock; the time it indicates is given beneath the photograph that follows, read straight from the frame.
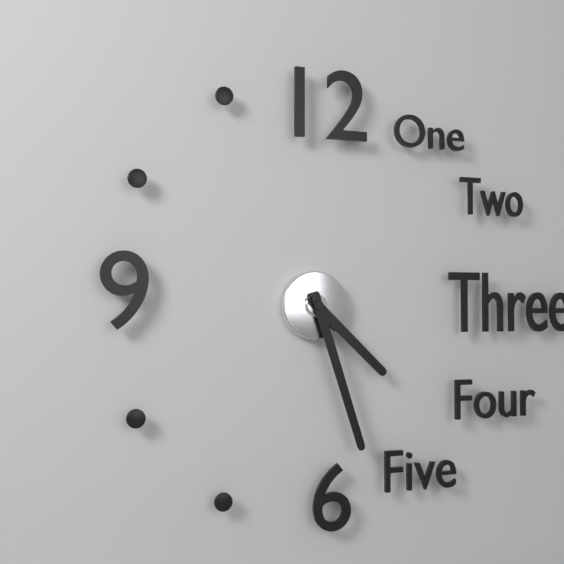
4:27
